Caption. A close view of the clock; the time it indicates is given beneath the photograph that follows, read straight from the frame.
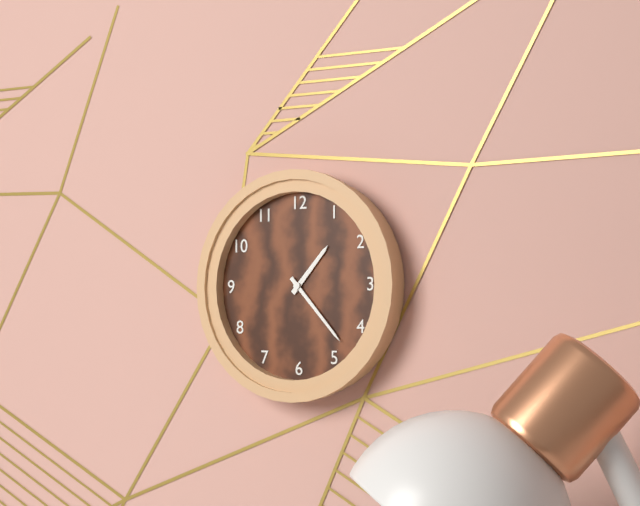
1:23
